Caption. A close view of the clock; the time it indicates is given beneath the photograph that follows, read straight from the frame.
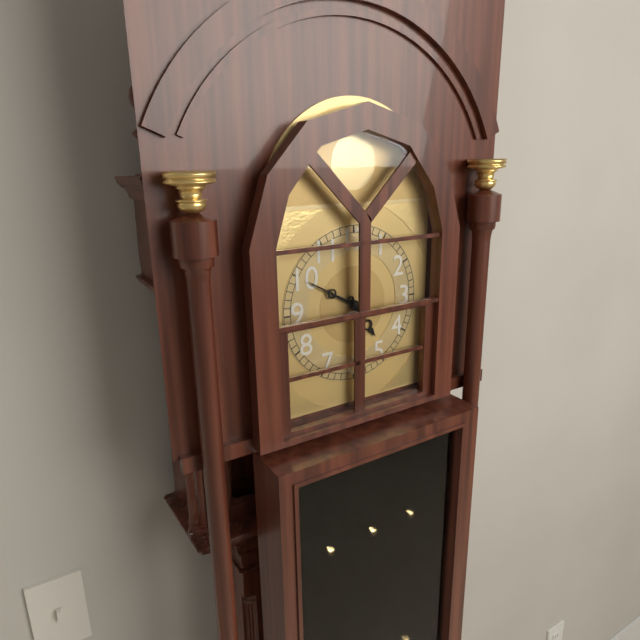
4:50
